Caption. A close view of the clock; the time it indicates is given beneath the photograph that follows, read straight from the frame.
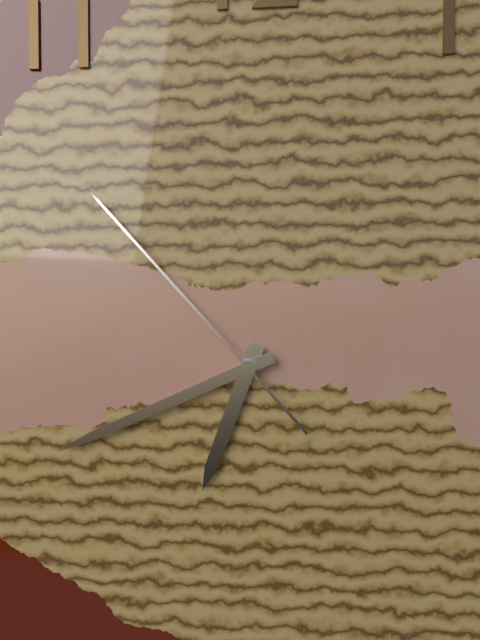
6:41:53
